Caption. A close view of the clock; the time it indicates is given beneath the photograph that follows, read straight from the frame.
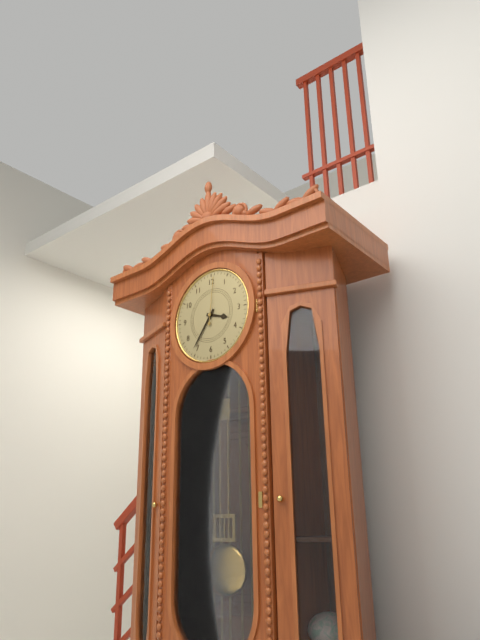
3:36:01
